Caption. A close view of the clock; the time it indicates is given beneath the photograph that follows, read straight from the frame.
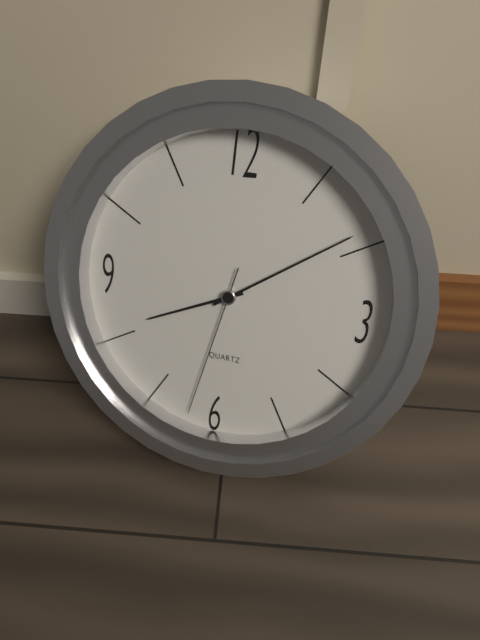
8:09:32
